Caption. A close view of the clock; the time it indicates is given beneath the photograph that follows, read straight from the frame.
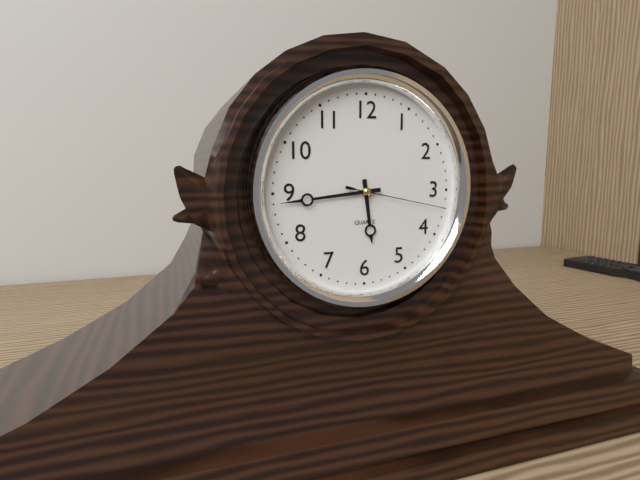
5:44:17
